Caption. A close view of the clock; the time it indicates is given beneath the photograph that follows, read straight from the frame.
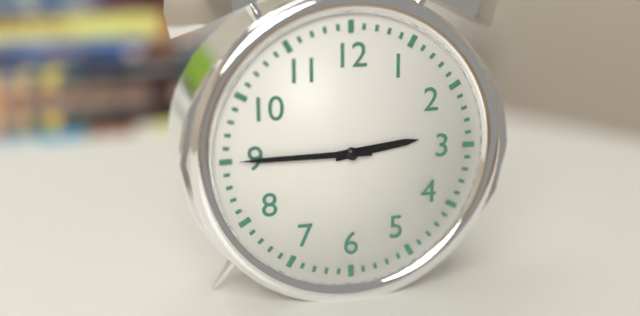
2:45
